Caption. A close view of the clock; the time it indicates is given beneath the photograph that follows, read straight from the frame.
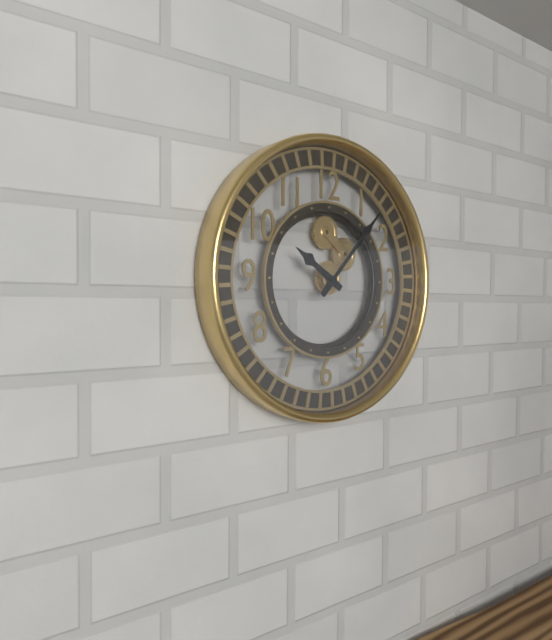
10:07
